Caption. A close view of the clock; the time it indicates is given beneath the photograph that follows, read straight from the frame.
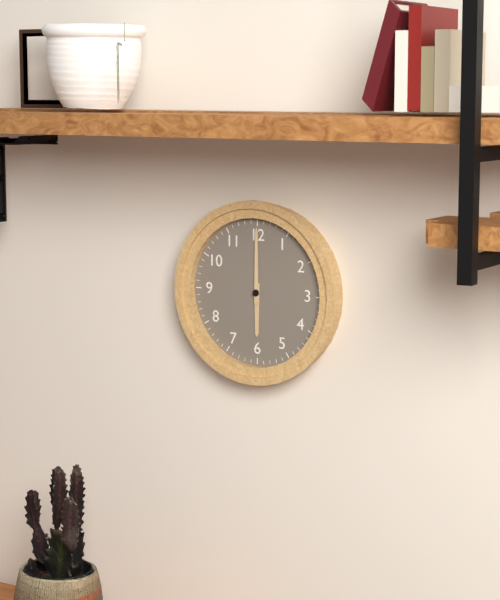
6:00
